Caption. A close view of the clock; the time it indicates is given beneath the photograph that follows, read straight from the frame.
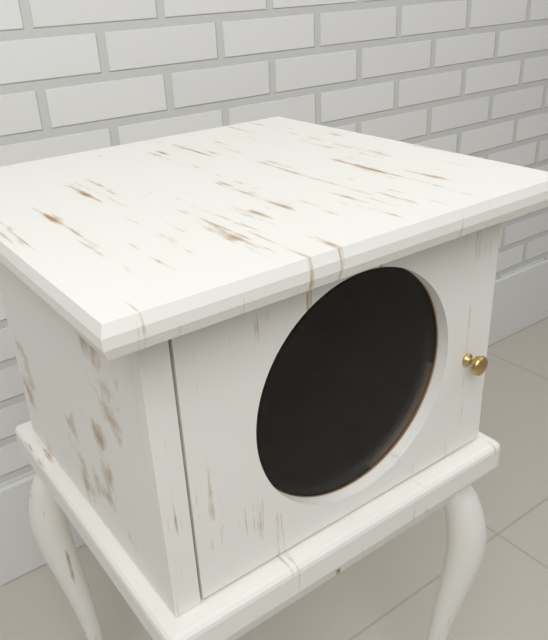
6:28:44
